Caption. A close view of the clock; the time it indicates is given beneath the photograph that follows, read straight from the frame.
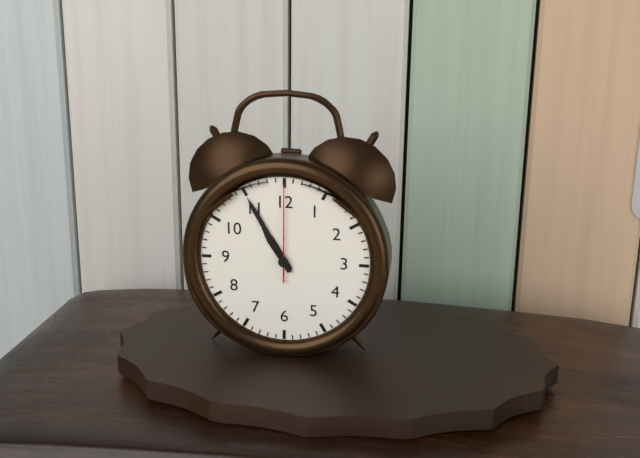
10:55:00
